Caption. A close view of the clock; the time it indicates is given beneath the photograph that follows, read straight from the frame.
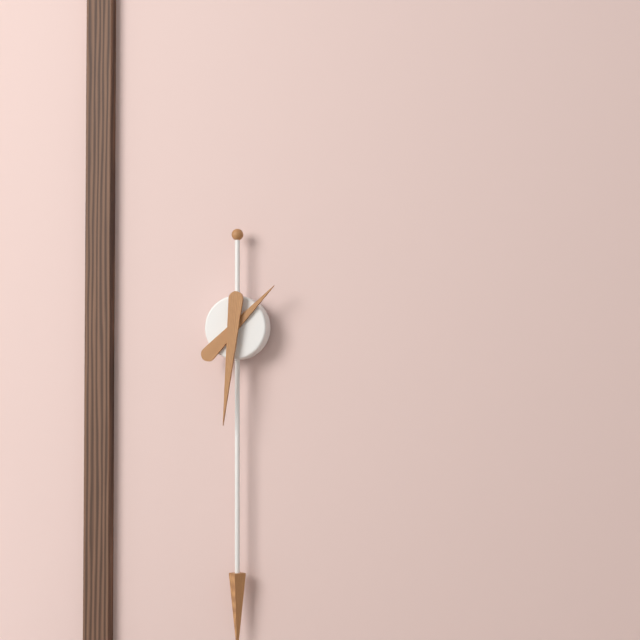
1:31
